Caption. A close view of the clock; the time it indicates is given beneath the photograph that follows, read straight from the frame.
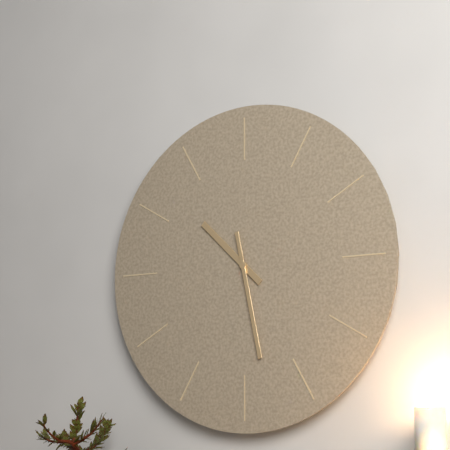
10:28
